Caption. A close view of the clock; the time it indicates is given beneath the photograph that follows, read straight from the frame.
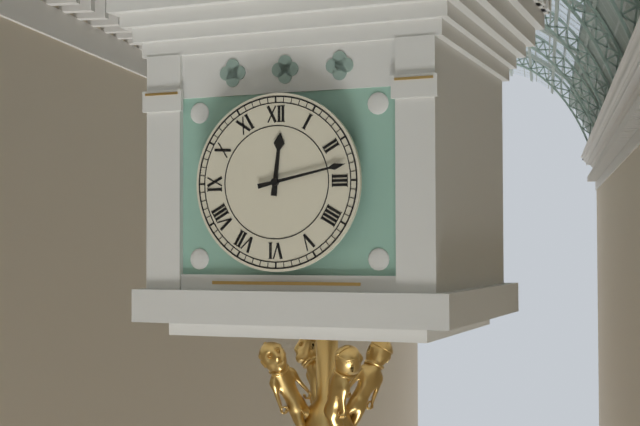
12:13
